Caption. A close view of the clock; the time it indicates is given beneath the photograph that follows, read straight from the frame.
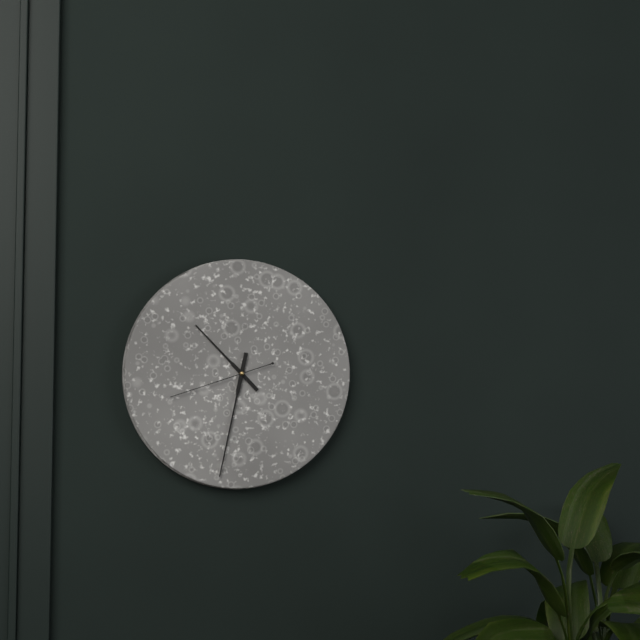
10:32:42
